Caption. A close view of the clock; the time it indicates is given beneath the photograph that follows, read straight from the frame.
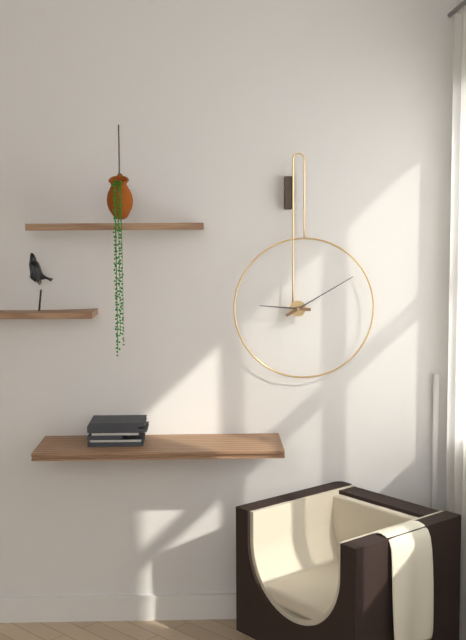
9:10
